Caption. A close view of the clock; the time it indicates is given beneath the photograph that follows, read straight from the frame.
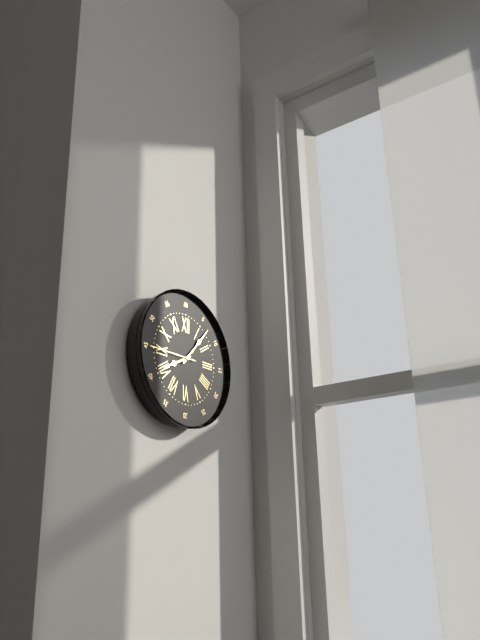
8:07
